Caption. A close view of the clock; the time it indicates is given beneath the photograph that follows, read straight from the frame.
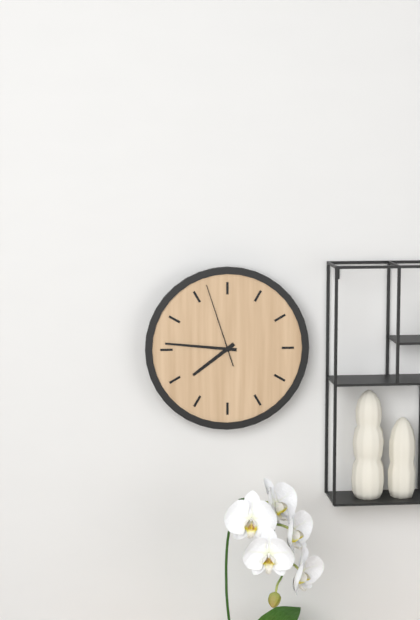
7:46:57
